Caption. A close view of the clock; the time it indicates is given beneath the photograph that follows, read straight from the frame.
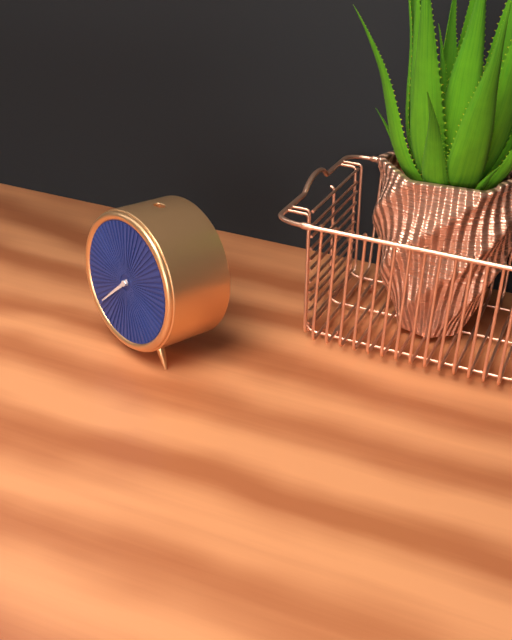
7:38
